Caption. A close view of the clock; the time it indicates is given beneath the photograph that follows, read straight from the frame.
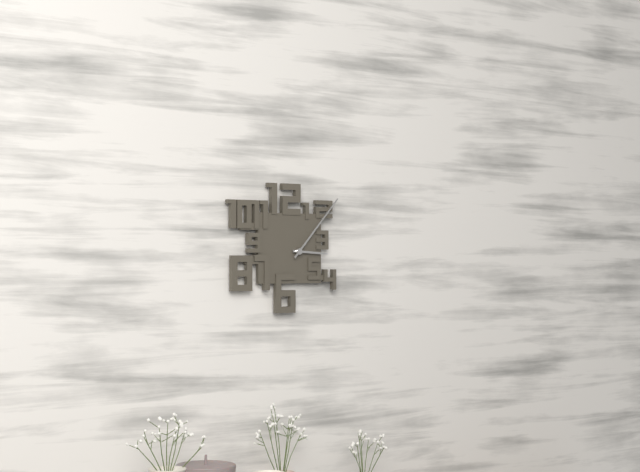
3:07
